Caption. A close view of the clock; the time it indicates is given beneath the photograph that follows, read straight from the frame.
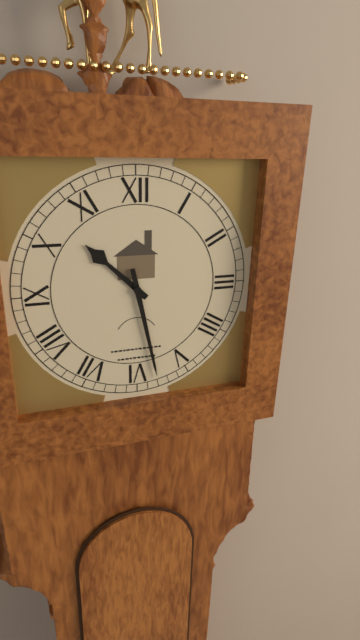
10:28
